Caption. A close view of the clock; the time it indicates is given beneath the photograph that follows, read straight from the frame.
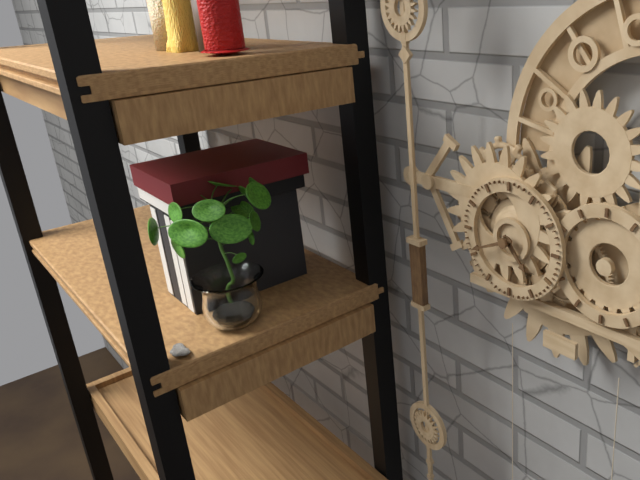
4:41
